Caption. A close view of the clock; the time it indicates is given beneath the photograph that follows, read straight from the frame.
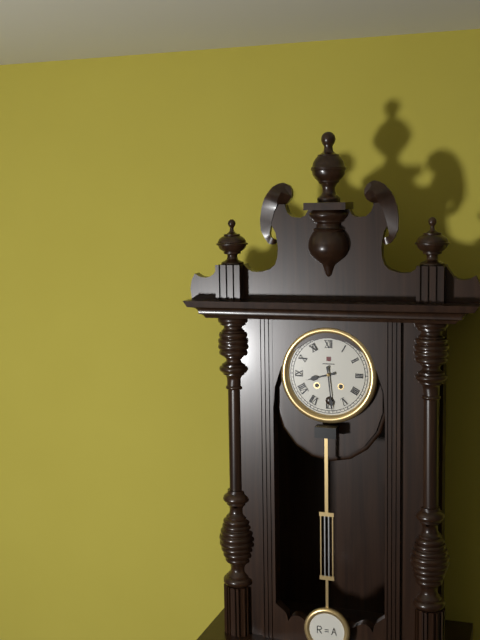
8:29
